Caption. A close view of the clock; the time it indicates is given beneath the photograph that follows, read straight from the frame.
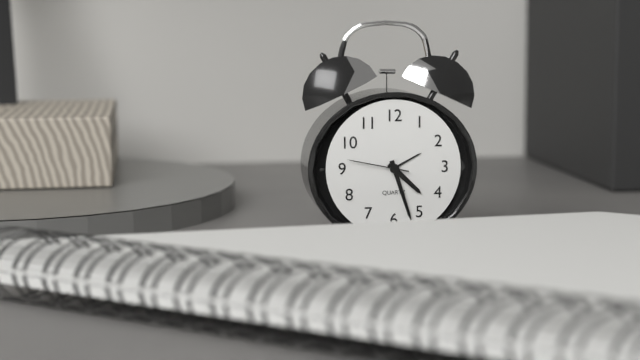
4:27:47
